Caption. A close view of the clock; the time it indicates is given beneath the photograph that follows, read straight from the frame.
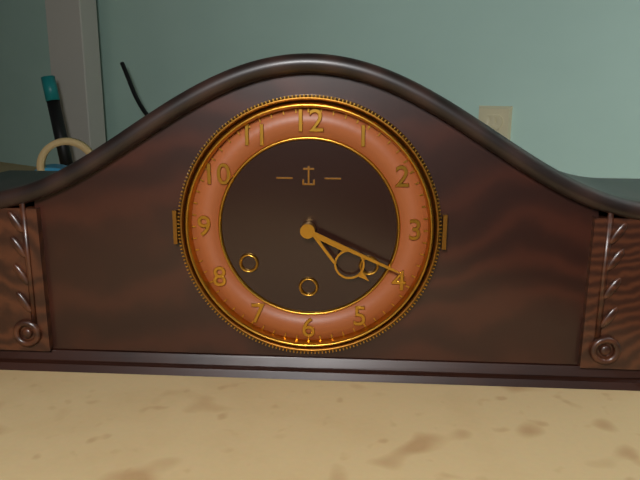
4:19
